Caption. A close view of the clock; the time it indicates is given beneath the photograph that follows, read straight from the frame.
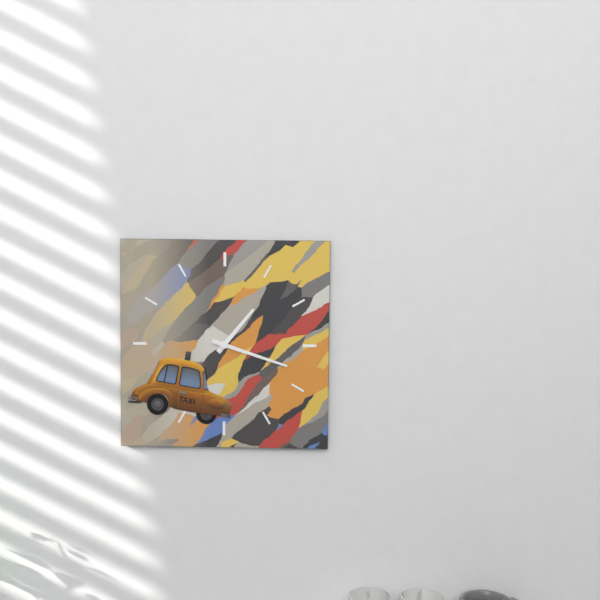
1:18
